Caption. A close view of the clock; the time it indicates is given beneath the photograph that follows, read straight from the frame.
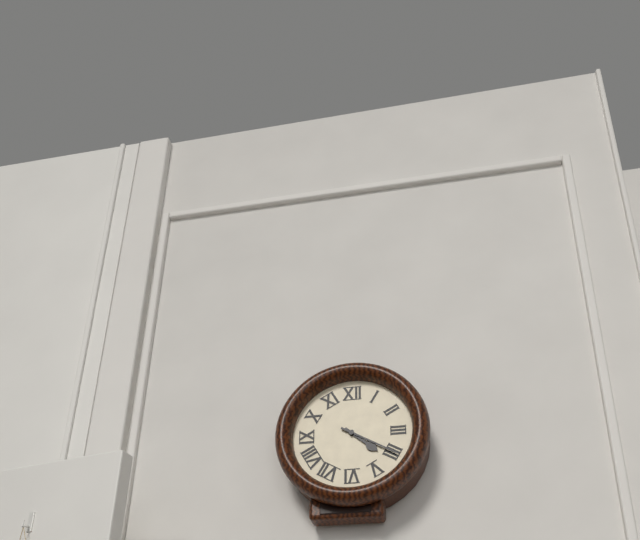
4:20
